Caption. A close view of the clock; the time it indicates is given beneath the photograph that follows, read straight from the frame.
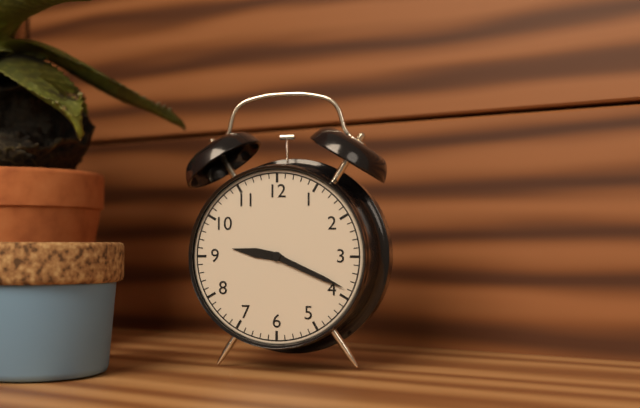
9:19
